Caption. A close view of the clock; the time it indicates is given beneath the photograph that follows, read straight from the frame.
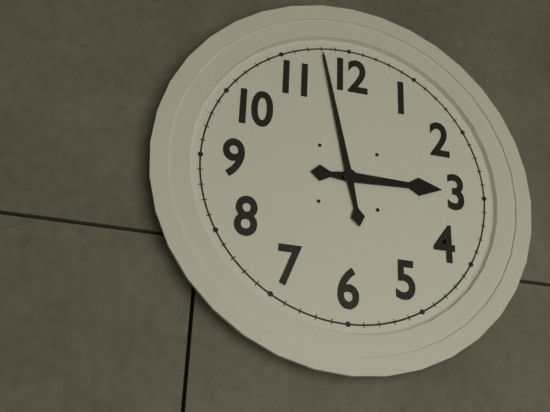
2:58
